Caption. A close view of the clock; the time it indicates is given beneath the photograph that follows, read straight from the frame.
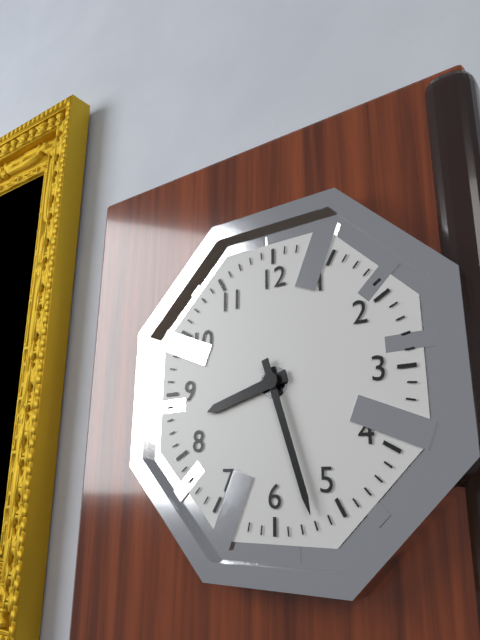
8:27
